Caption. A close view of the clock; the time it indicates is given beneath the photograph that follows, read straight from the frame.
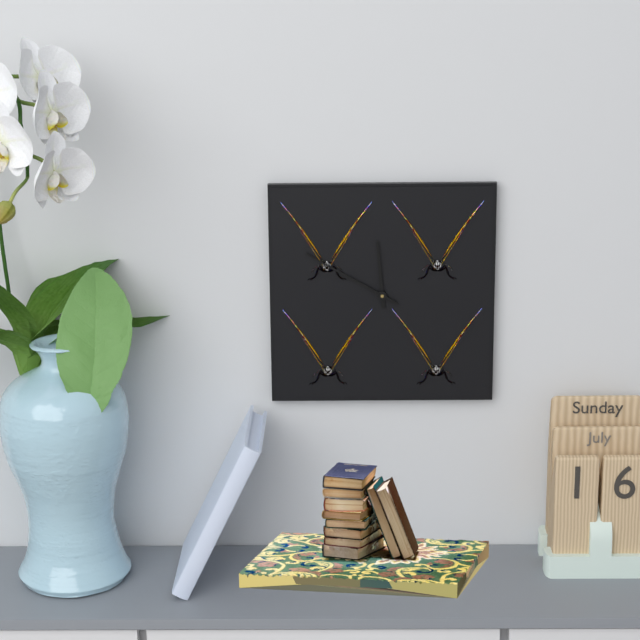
11:50
